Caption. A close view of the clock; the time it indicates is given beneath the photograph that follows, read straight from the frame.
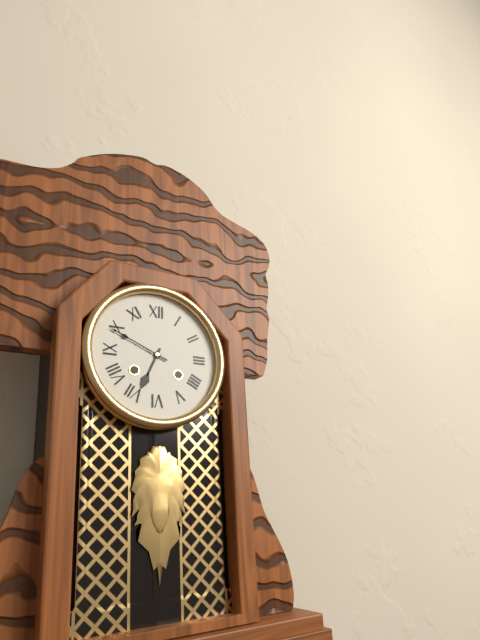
6:49
